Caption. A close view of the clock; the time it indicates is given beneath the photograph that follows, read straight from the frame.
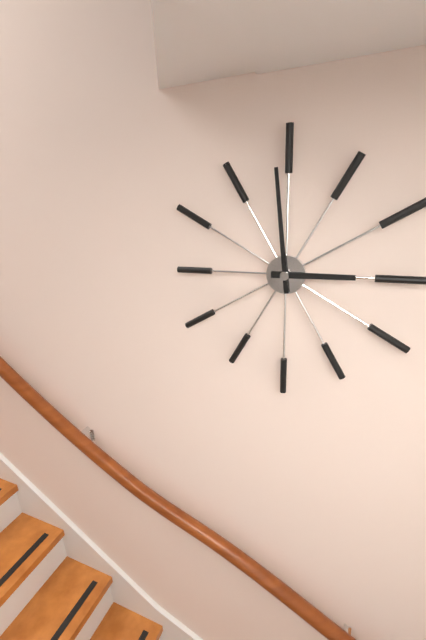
2:59
